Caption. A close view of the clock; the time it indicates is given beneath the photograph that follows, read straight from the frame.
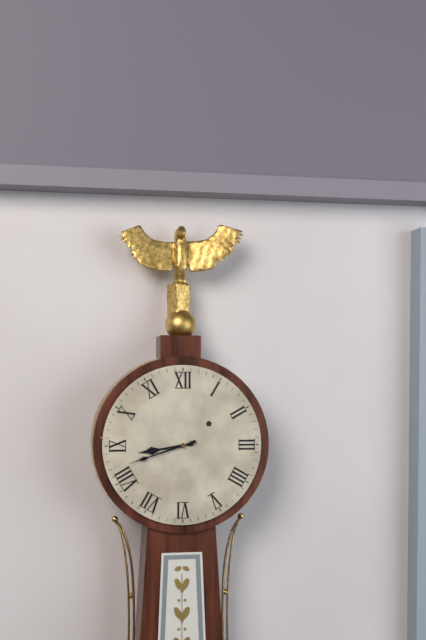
8:42
